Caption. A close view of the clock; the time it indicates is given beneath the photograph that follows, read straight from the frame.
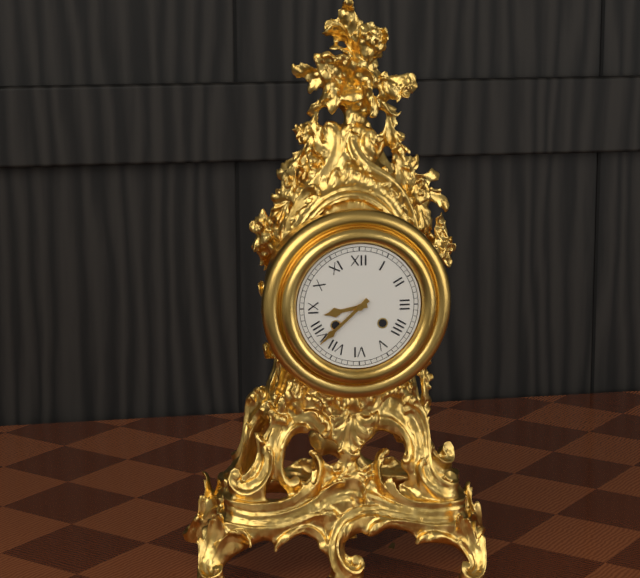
8:38
